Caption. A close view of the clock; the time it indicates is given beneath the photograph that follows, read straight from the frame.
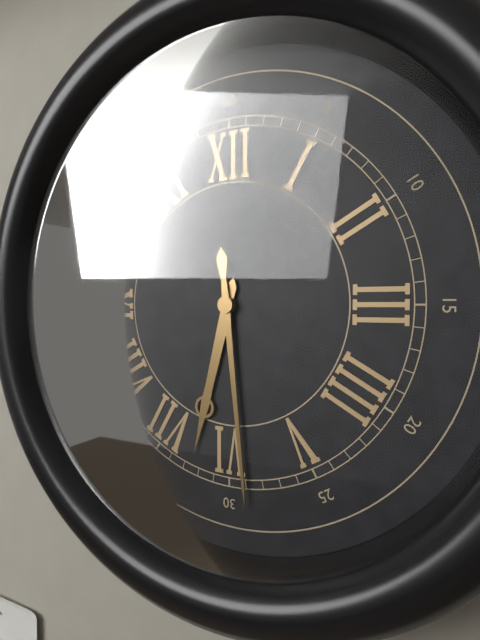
6:29
